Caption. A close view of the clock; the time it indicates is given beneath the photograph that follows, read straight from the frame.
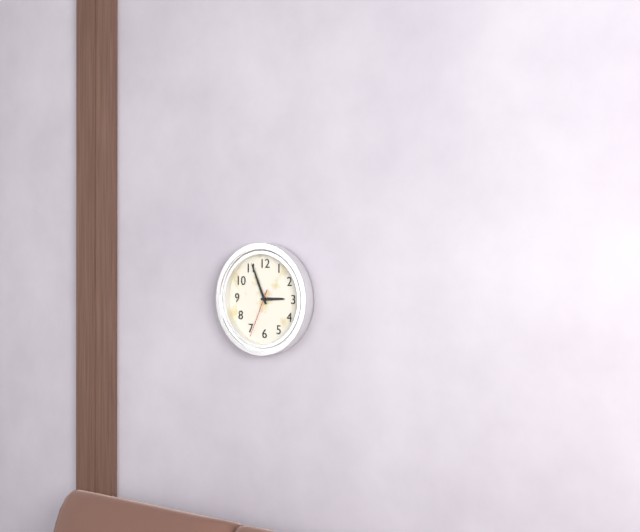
2:56:34
